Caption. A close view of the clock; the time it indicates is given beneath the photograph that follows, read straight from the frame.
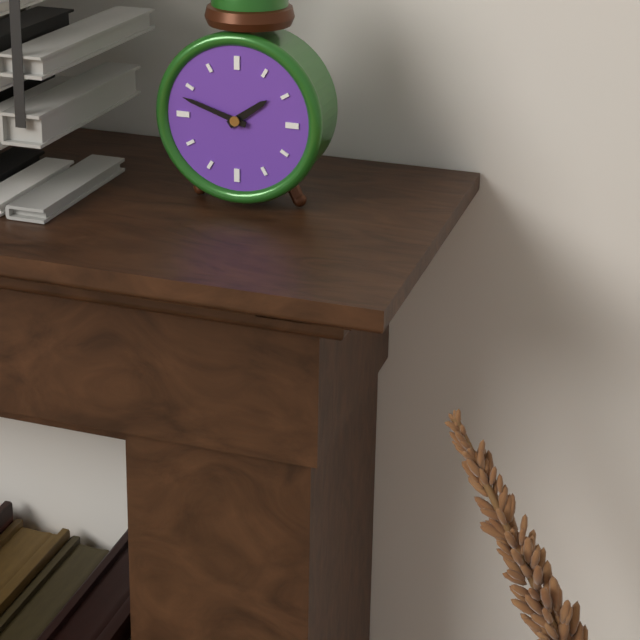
1:48
